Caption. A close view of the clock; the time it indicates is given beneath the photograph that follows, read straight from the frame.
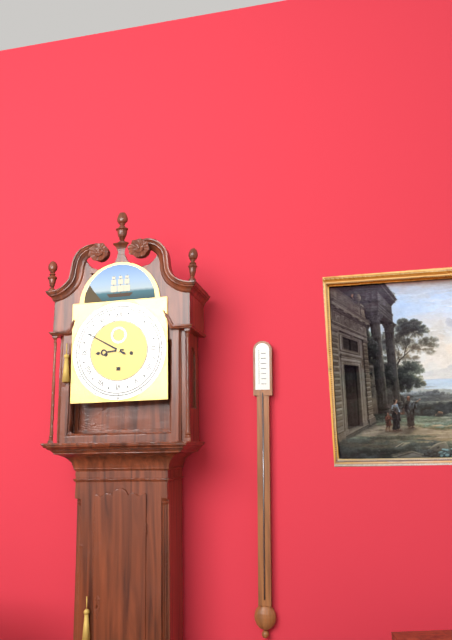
8:50
